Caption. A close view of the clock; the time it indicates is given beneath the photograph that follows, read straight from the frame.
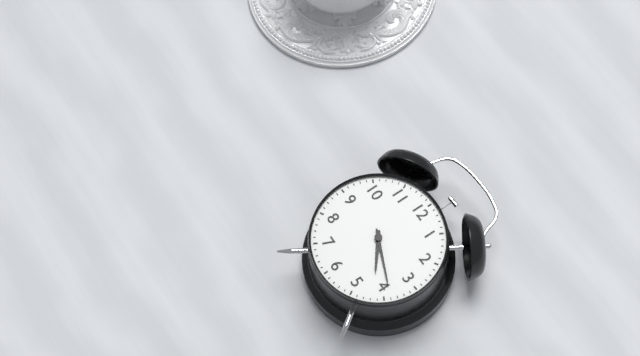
4:19
